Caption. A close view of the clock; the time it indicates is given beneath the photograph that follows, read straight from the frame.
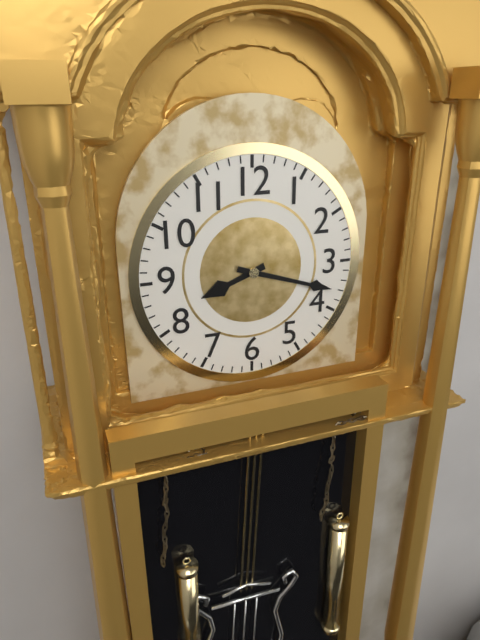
8:18
